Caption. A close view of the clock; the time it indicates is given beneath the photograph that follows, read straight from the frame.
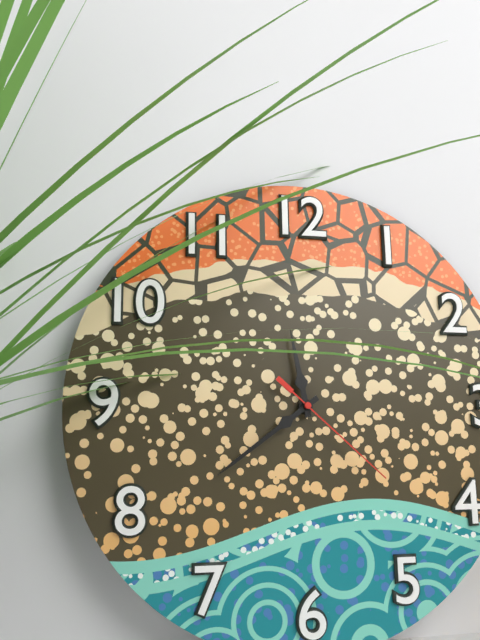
11:39:22
